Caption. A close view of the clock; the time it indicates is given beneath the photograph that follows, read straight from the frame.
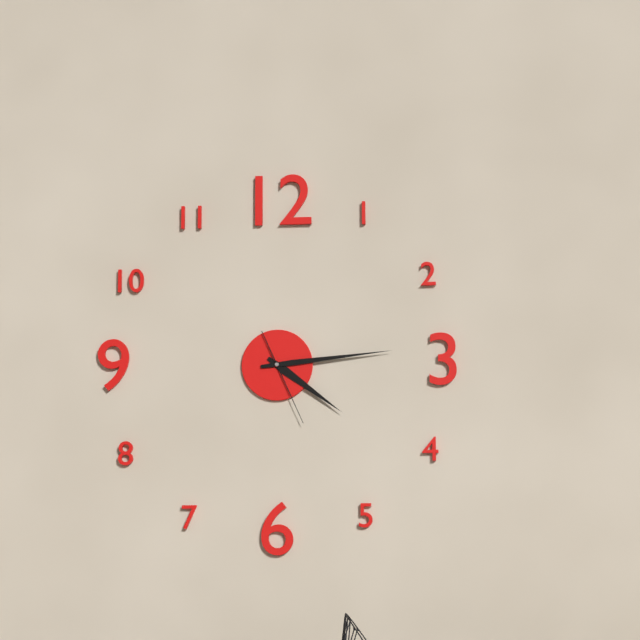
4:14:26
